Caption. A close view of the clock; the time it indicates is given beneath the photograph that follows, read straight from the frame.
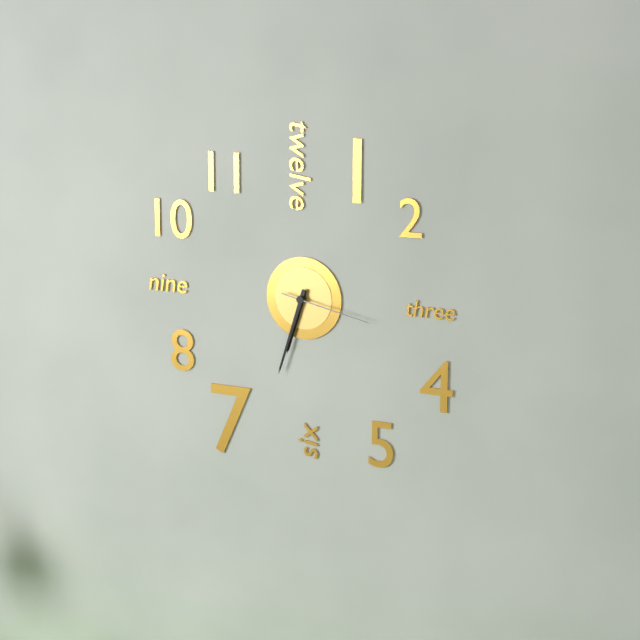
6:33:17
